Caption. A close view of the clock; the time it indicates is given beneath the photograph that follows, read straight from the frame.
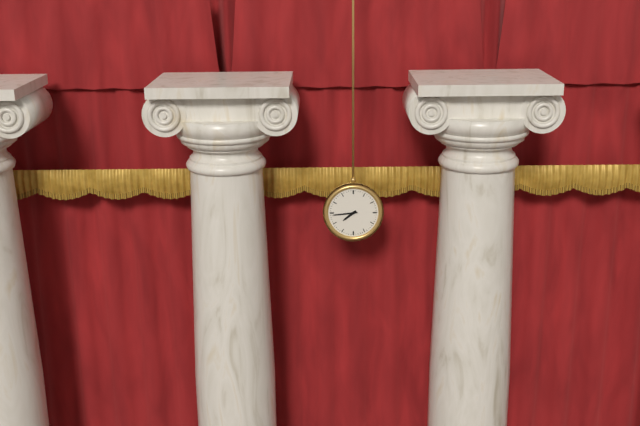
7:44
